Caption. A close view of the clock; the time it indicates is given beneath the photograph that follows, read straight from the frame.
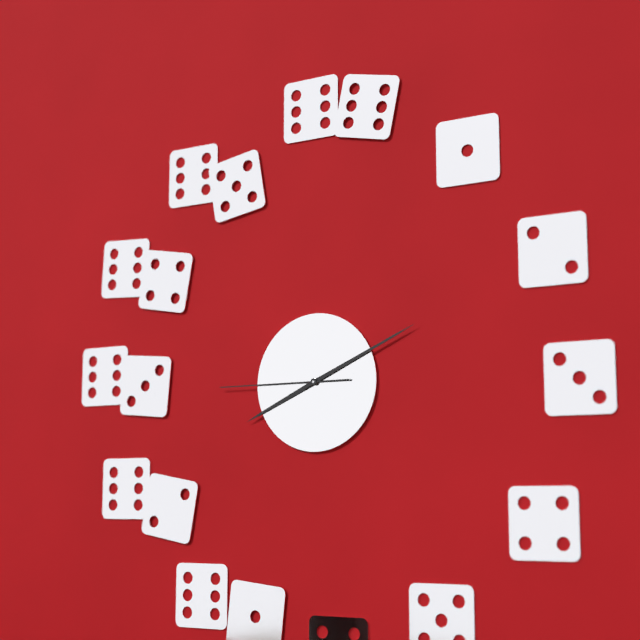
8:11:45
